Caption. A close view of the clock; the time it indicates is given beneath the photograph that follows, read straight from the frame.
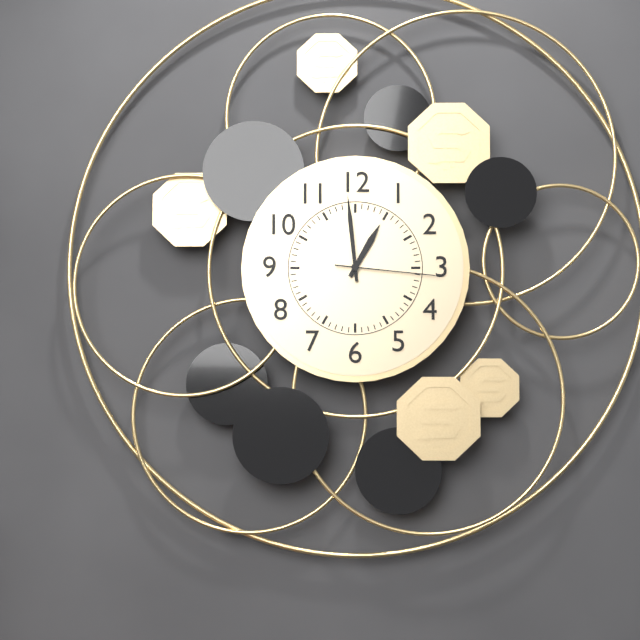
12:59:16
